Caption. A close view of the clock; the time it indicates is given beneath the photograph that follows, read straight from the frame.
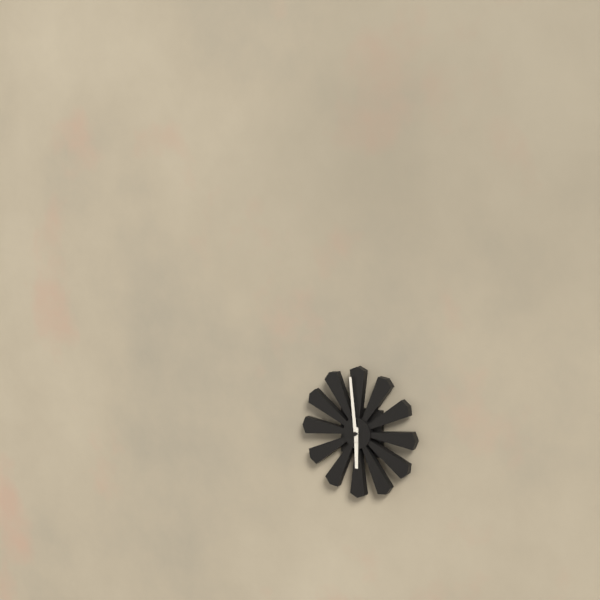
5:59
